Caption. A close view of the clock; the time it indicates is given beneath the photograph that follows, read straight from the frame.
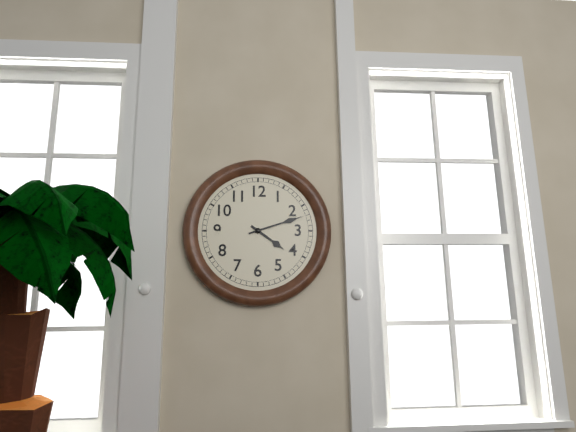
4:12
